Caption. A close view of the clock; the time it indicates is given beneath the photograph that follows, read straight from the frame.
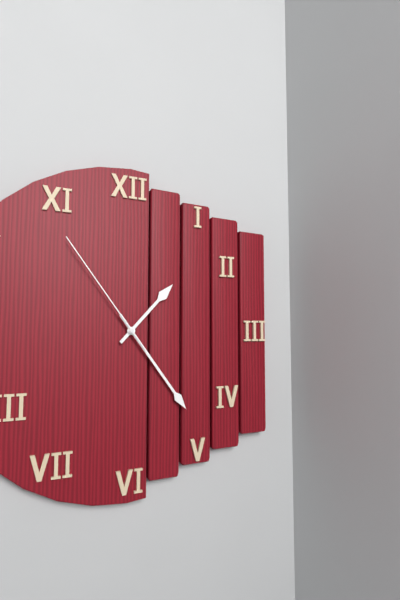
1:24:54
